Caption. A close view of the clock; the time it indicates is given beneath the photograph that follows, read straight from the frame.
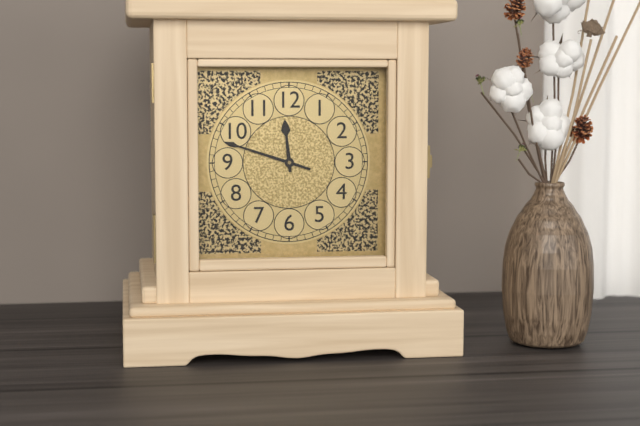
11:48
